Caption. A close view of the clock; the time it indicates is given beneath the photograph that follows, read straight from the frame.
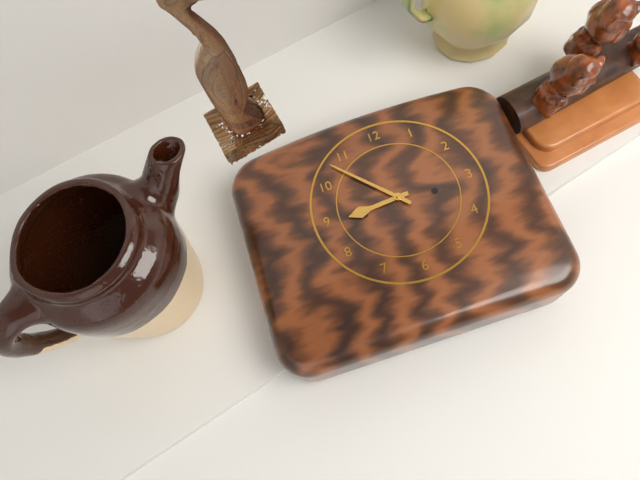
8:53
